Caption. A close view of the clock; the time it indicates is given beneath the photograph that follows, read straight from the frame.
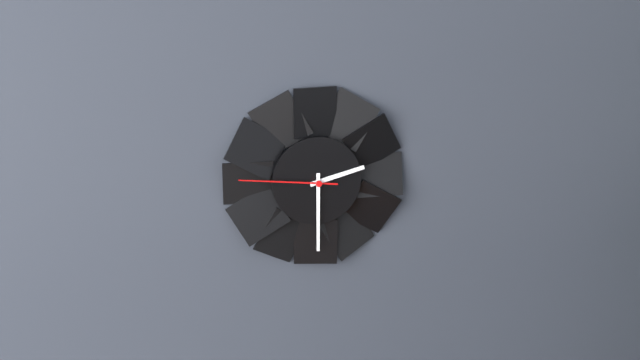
2:30:46
